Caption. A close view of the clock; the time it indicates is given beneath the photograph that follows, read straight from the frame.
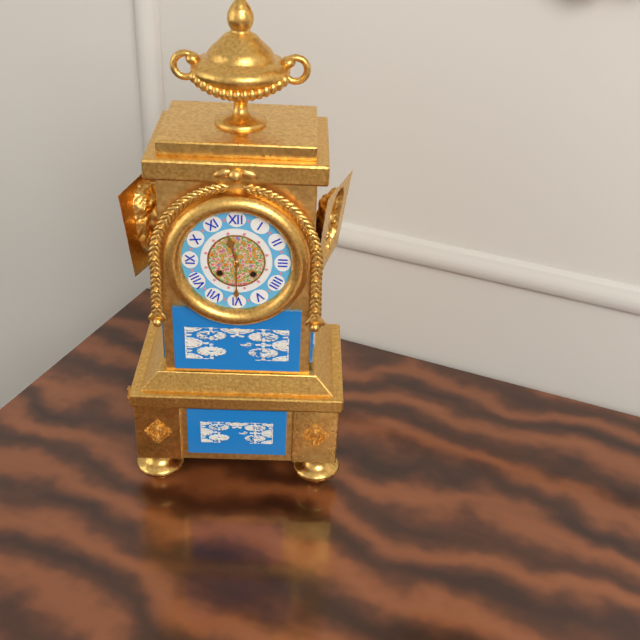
11:30
